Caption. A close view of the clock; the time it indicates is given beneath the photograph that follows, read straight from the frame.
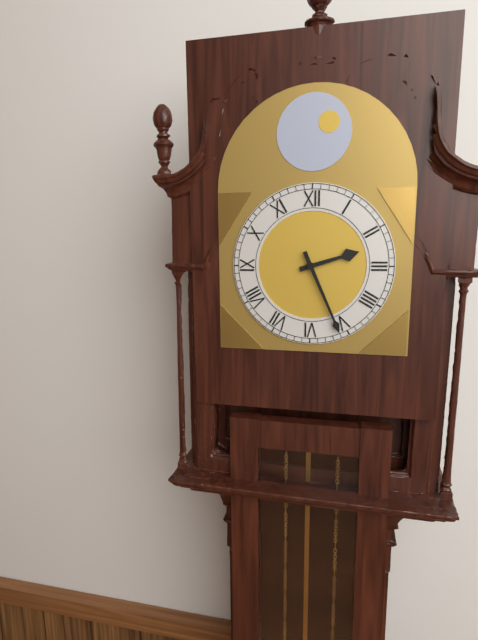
2:26
